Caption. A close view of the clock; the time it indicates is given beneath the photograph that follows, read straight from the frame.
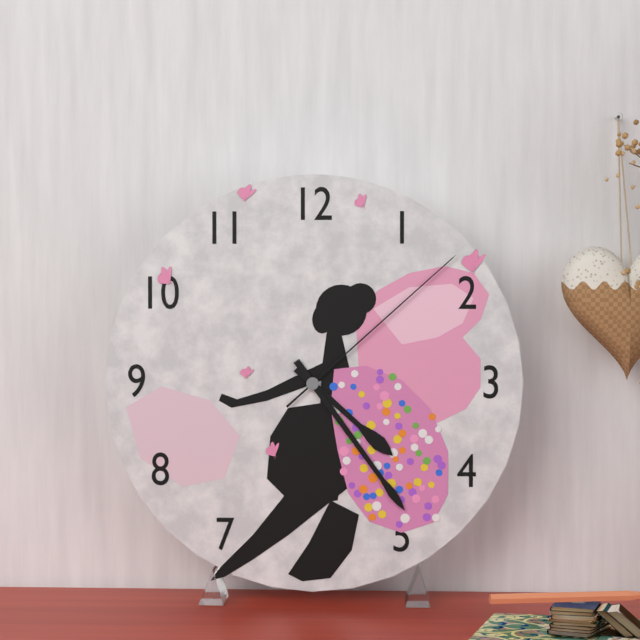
4:24:08
